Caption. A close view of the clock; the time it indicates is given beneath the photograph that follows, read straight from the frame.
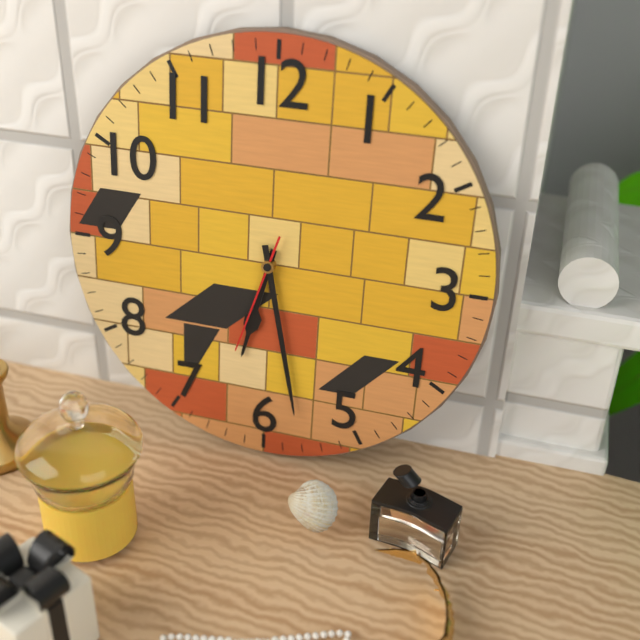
6:28:33
